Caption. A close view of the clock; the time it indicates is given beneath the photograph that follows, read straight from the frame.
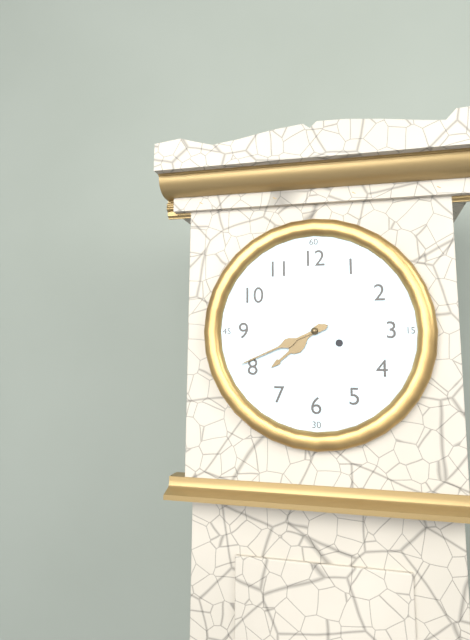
7:41
